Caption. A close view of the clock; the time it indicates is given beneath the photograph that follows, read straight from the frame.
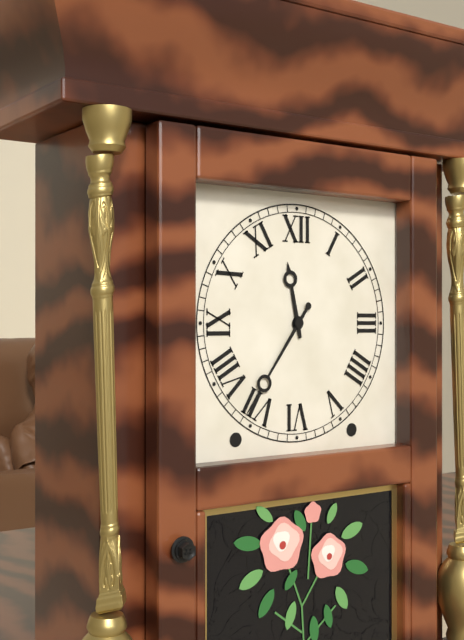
11:36
